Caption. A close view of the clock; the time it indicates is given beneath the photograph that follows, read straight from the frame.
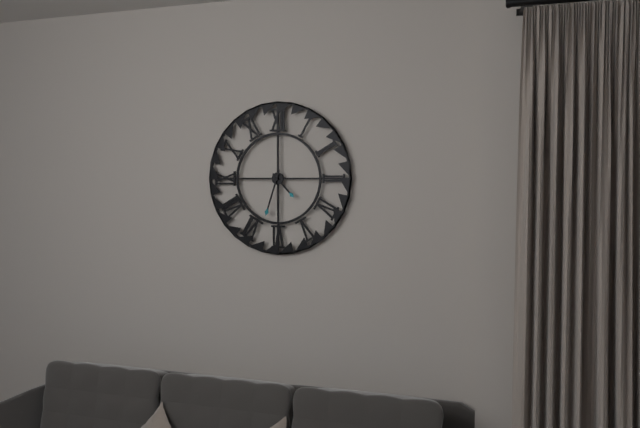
4:33
